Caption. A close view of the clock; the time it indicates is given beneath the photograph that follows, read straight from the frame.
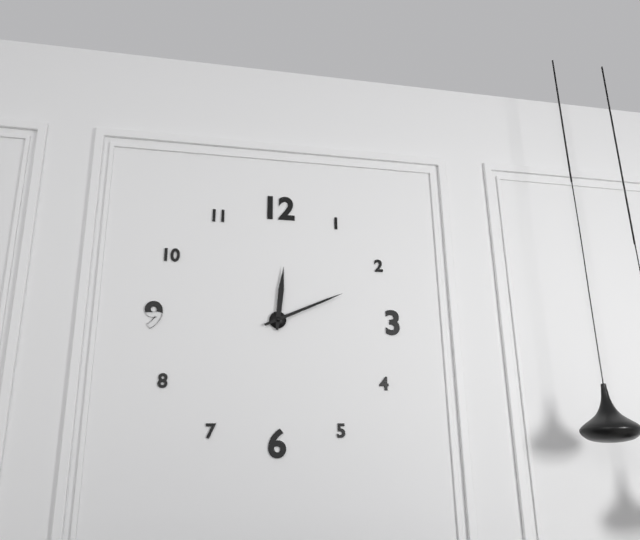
12:11
